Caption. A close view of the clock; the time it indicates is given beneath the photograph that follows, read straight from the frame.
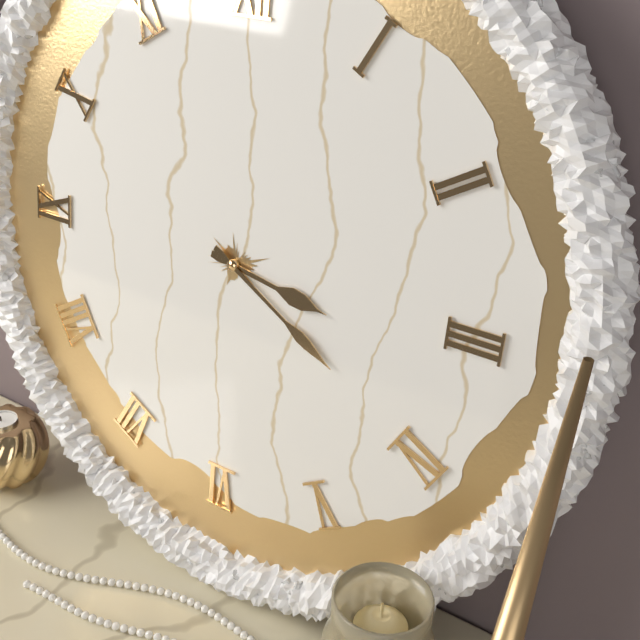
3:20
